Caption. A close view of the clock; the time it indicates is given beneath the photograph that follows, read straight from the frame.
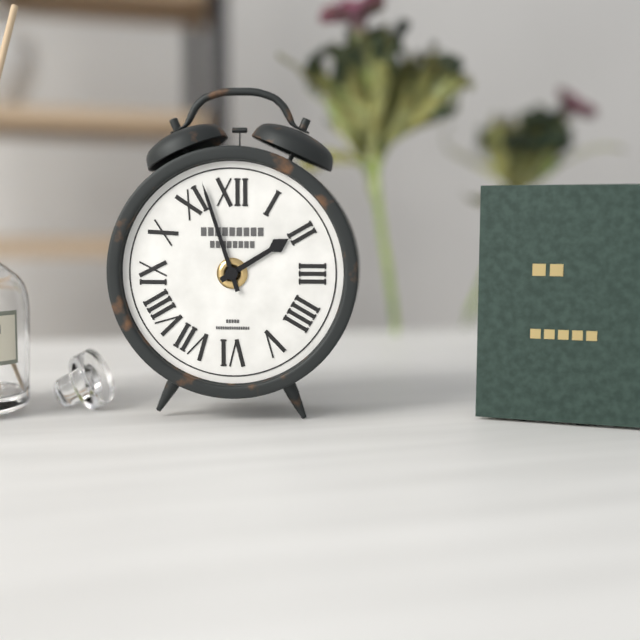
1:57
